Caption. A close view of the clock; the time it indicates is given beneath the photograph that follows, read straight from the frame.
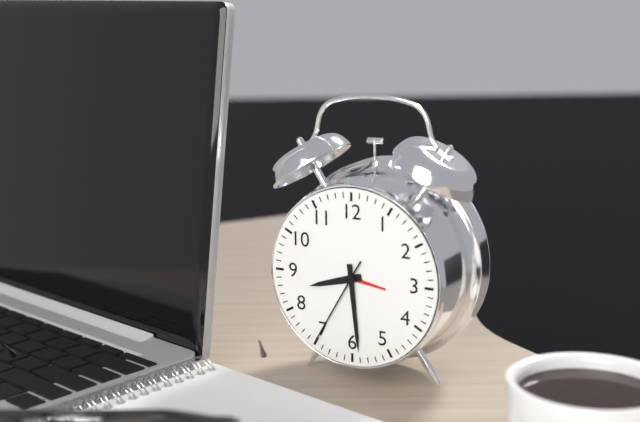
8:29:35
